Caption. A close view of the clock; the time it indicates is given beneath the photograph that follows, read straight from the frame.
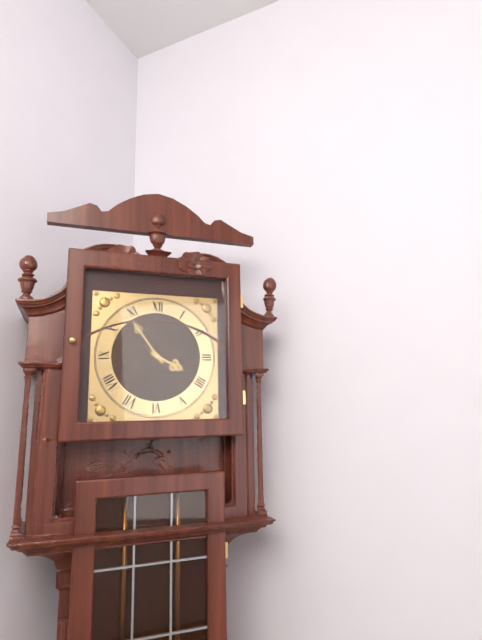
3:54
